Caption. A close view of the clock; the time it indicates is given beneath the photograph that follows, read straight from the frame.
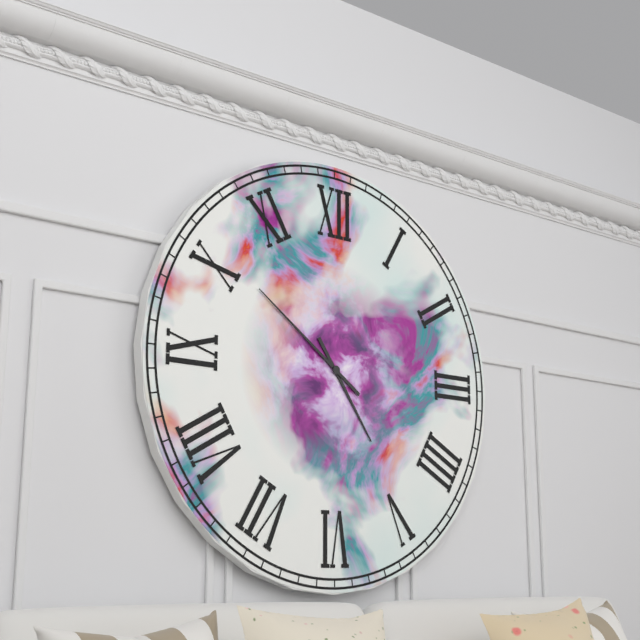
4:51
